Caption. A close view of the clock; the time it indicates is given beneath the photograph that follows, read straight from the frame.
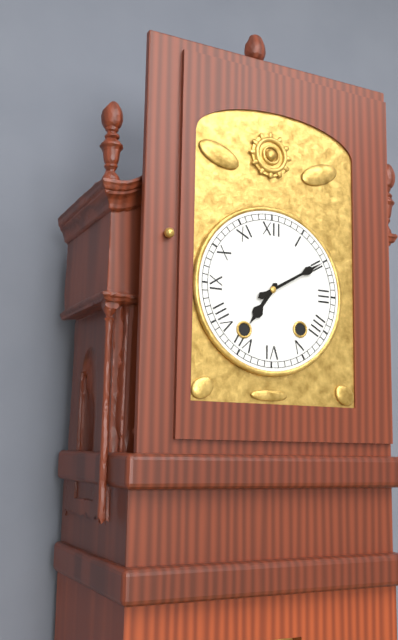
7:10
